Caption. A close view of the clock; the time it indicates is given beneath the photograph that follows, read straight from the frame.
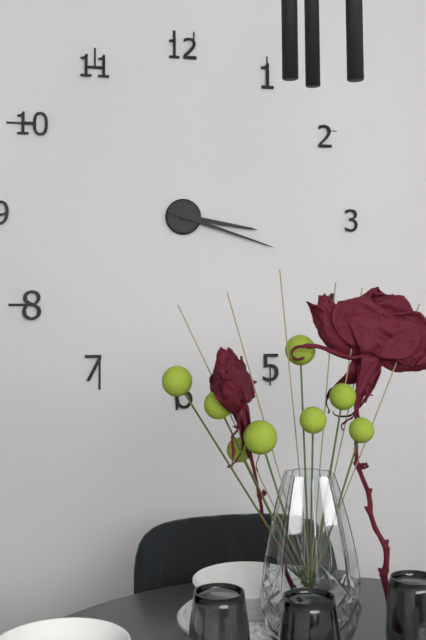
3:18
